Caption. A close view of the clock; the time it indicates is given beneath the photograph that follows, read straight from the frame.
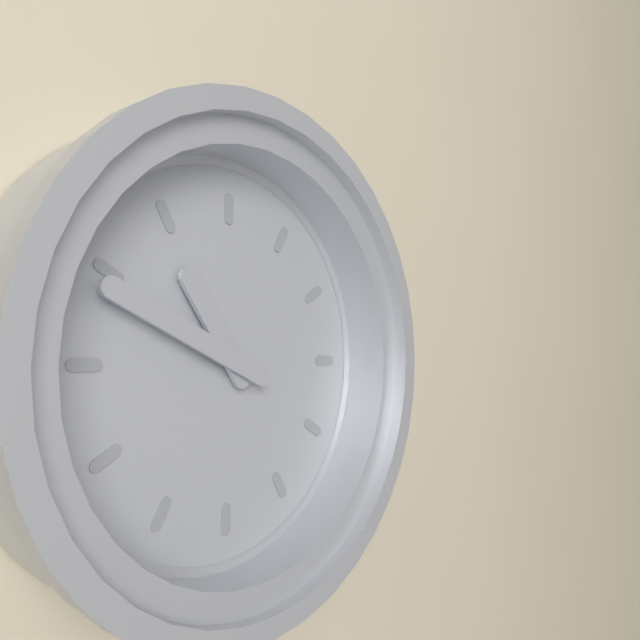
10:49
